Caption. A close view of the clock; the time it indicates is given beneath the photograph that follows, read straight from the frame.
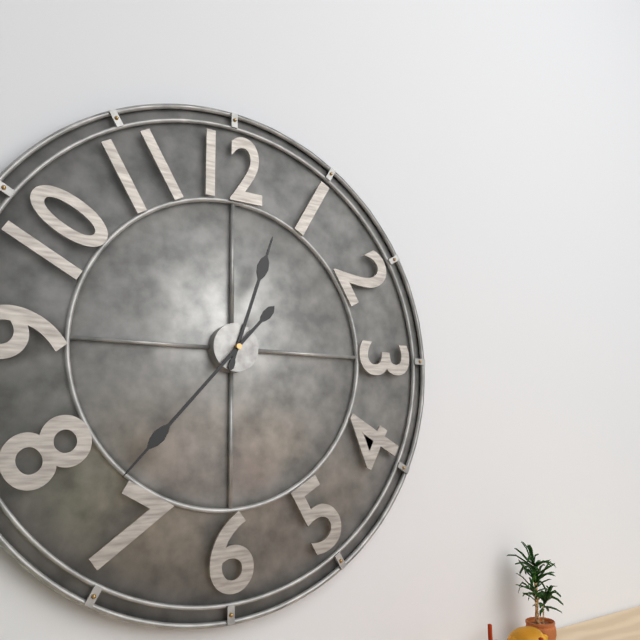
12:37
